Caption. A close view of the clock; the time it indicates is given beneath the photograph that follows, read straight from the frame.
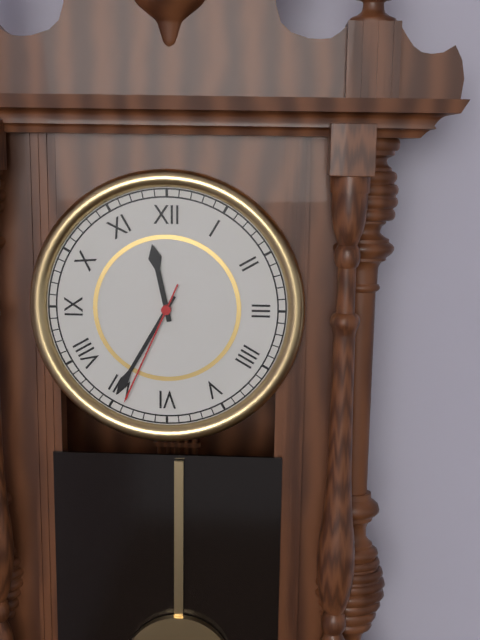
11:35:34
